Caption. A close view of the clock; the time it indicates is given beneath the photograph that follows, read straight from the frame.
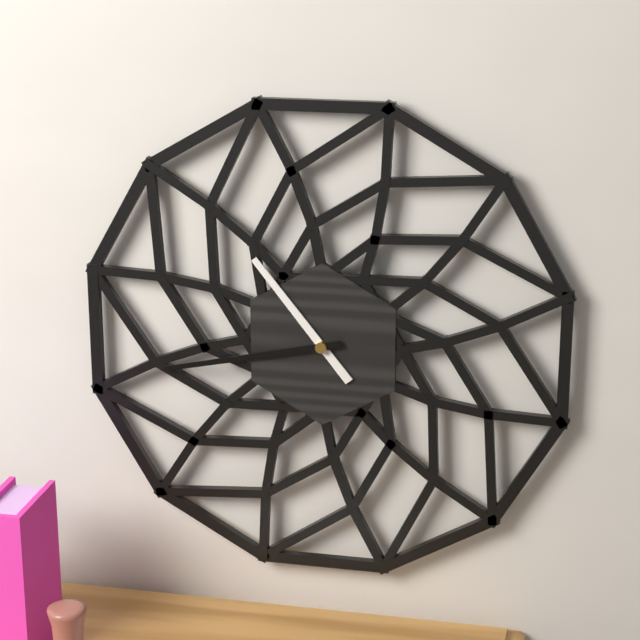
10:43
